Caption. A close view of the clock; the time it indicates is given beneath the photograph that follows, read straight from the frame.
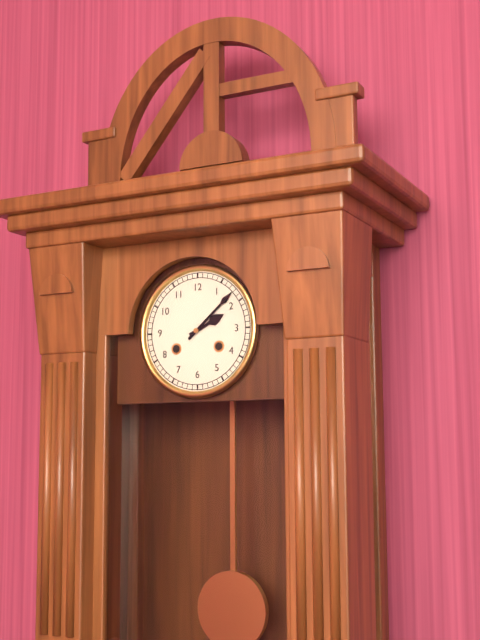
2:08
